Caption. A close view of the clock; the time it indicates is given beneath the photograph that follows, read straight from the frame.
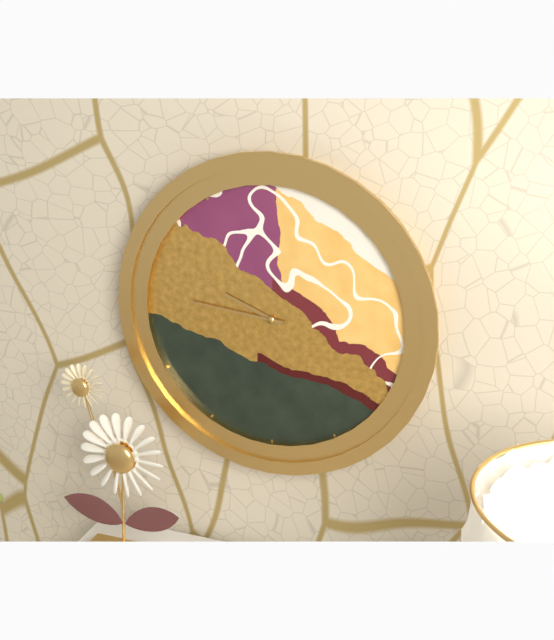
9:46
